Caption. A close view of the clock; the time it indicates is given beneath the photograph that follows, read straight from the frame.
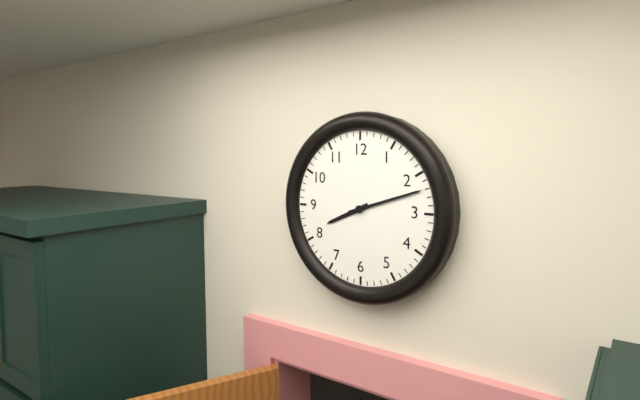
8:12
